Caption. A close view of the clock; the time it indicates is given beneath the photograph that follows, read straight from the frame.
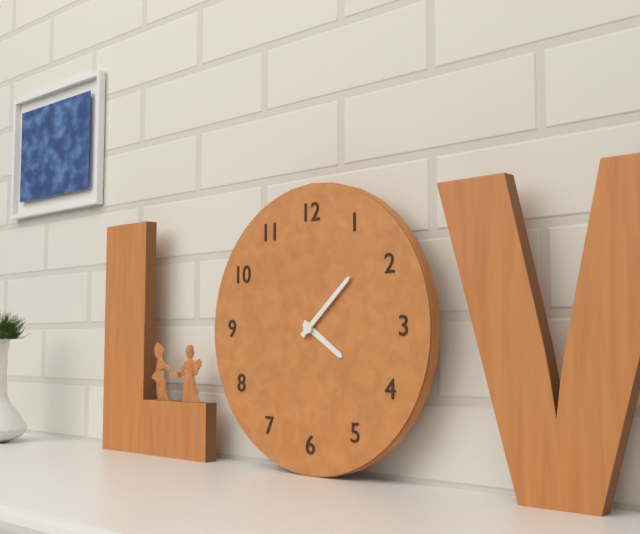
4:08
